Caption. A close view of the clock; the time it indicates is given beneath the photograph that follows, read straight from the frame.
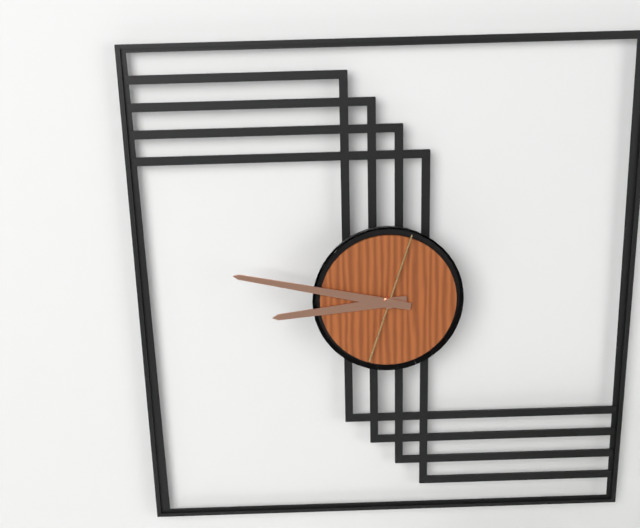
8:47:03
